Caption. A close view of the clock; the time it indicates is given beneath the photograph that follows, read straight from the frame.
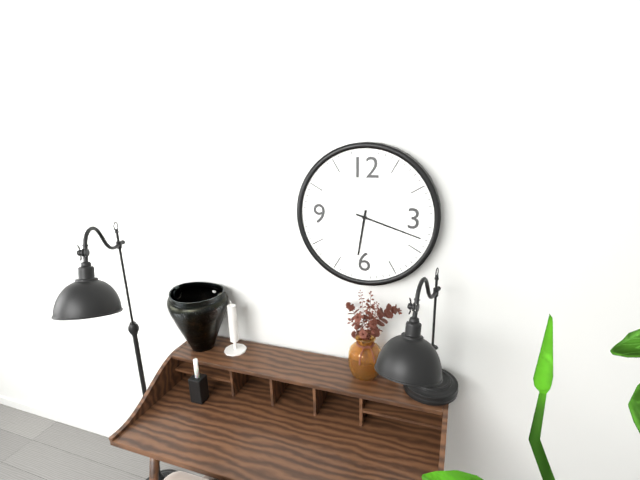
6:18
